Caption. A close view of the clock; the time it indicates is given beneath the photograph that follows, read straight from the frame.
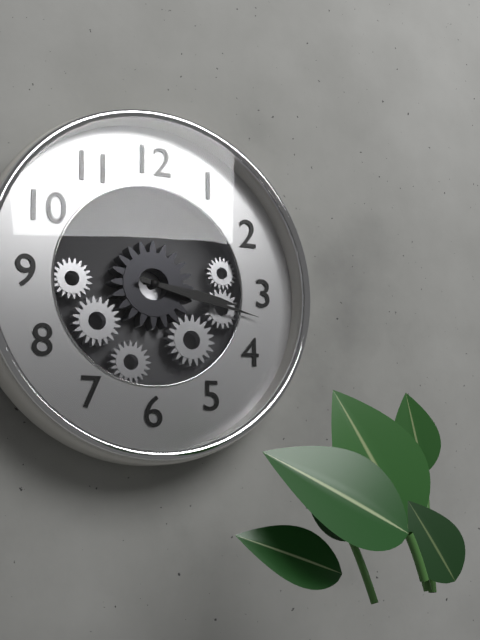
3:17
